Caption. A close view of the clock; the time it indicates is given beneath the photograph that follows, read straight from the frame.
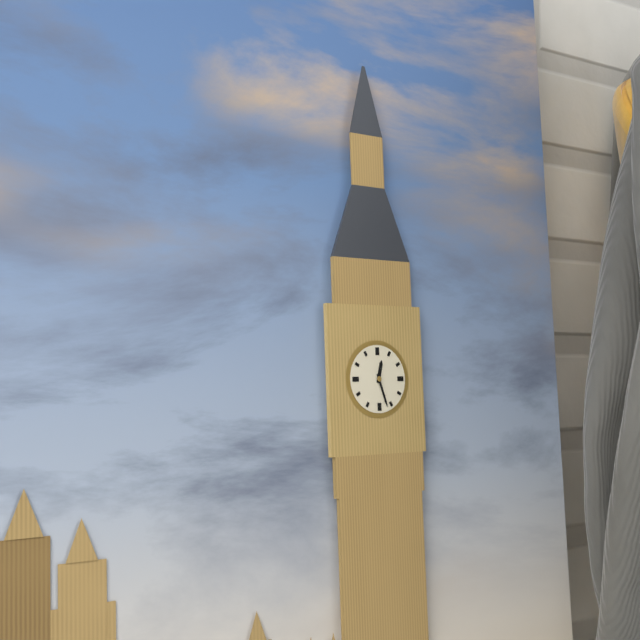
12:27
